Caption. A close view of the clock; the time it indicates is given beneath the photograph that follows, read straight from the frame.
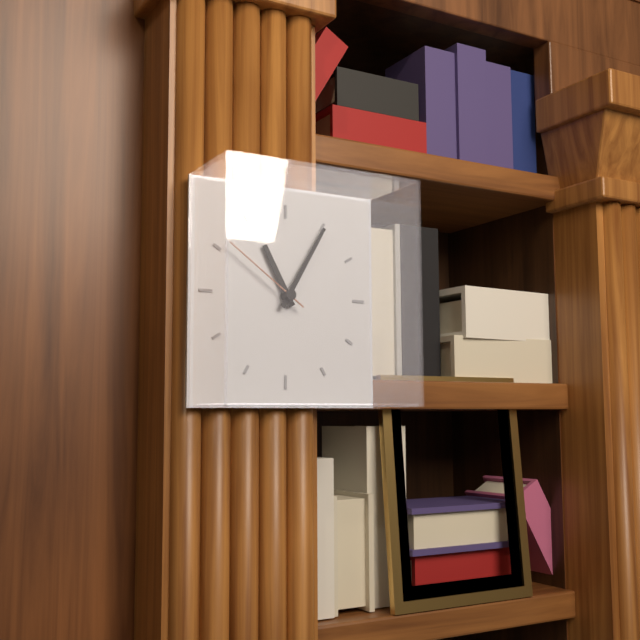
11:05:51
